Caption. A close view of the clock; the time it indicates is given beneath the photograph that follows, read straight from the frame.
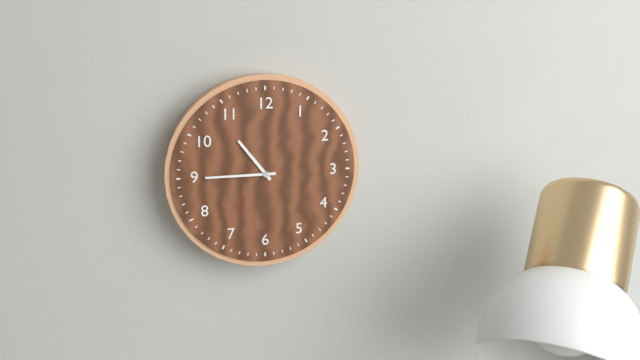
10:45
